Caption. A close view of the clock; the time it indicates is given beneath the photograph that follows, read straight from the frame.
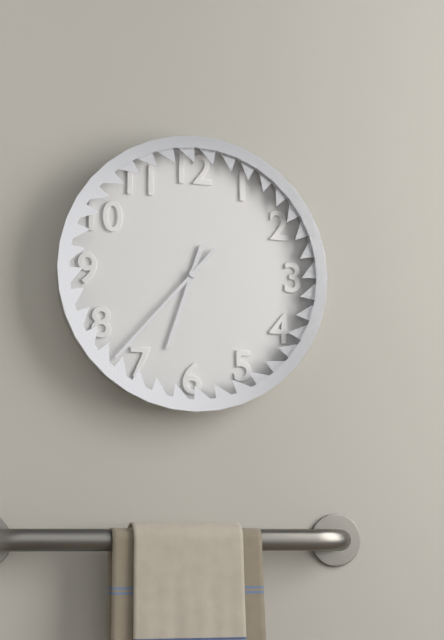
6:37
